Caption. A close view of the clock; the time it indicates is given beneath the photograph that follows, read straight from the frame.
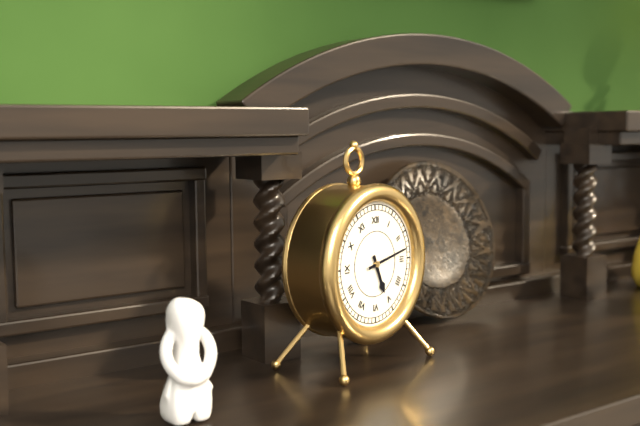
5:13
